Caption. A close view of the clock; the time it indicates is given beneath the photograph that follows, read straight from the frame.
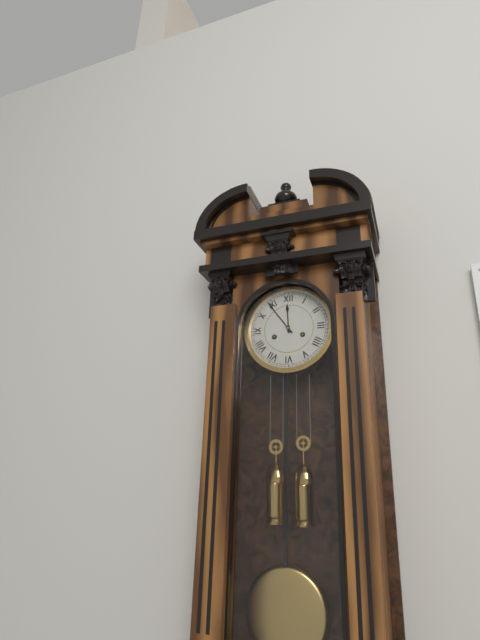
11:54
